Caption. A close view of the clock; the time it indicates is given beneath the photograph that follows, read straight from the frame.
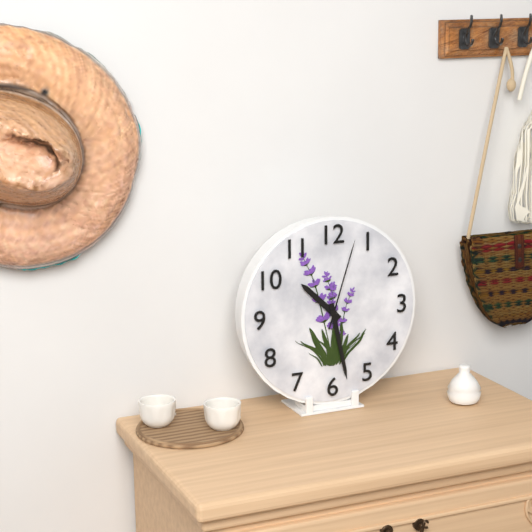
10:28:03
